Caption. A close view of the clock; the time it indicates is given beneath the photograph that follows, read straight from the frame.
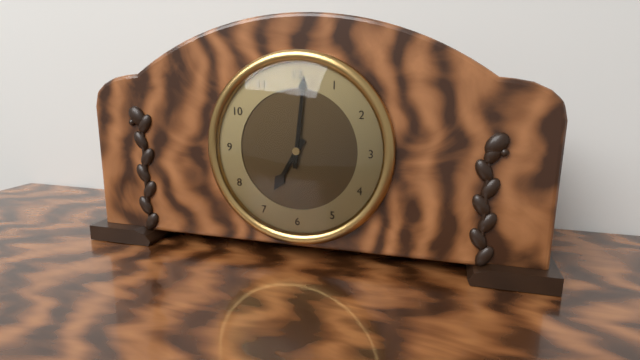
7:01
